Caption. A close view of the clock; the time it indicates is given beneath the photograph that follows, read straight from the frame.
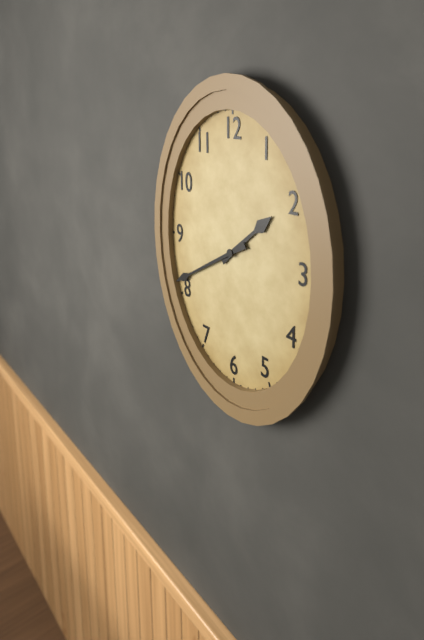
1:40
